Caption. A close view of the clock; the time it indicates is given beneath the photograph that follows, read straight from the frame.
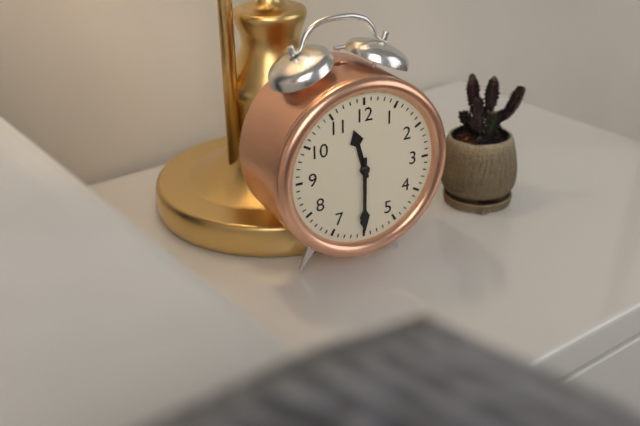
11:30
